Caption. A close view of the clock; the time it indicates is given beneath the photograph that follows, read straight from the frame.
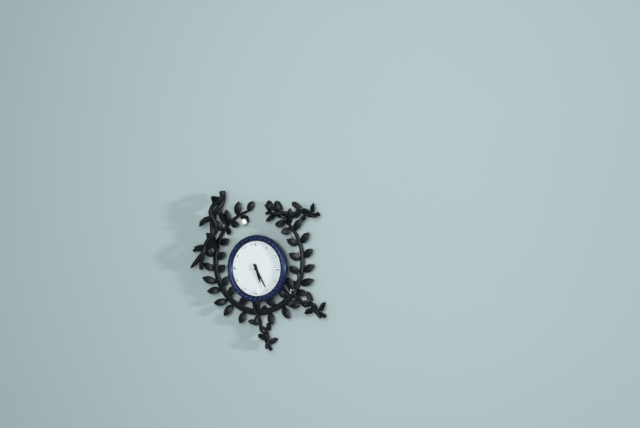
5:25
